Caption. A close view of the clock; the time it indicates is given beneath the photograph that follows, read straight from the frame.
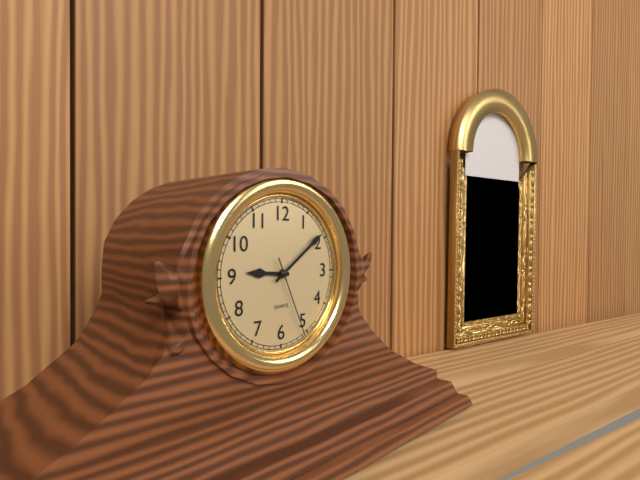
9:09:26
